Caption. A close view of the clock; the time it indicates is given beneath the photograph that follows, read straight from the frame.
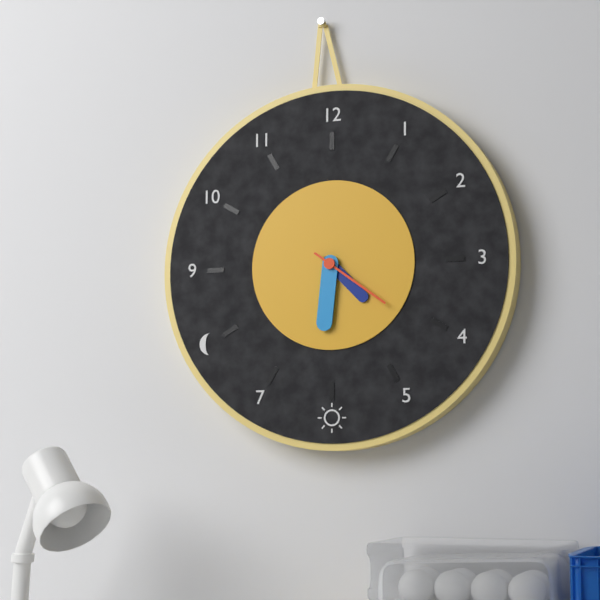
4:31:21
